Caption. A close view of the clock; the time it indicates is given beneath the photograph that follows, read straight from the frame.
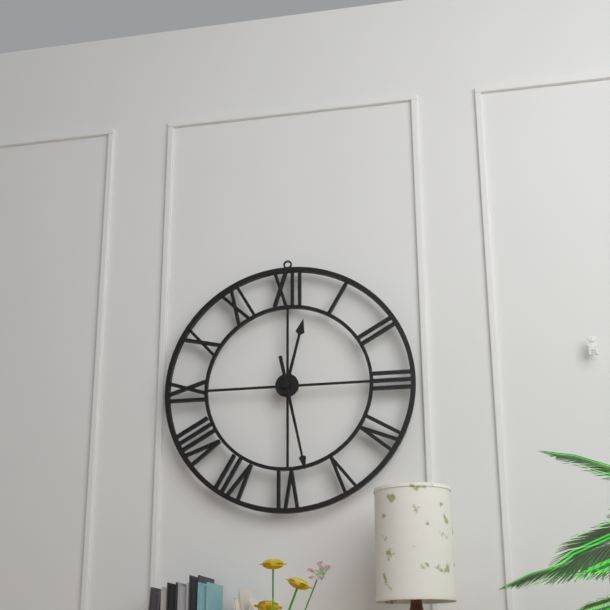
12:28
